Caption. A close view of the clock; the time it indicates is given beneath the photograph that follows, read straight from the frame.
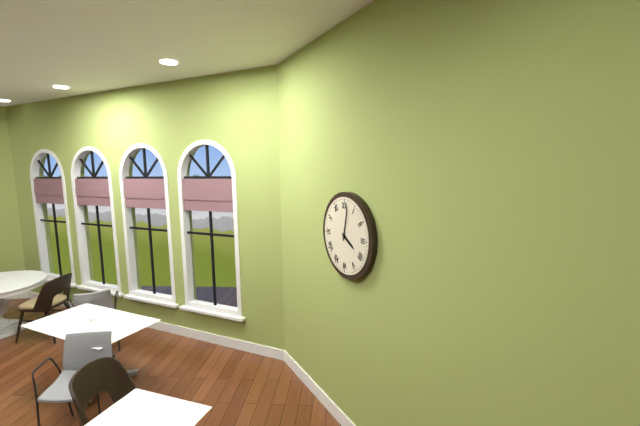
4:02
